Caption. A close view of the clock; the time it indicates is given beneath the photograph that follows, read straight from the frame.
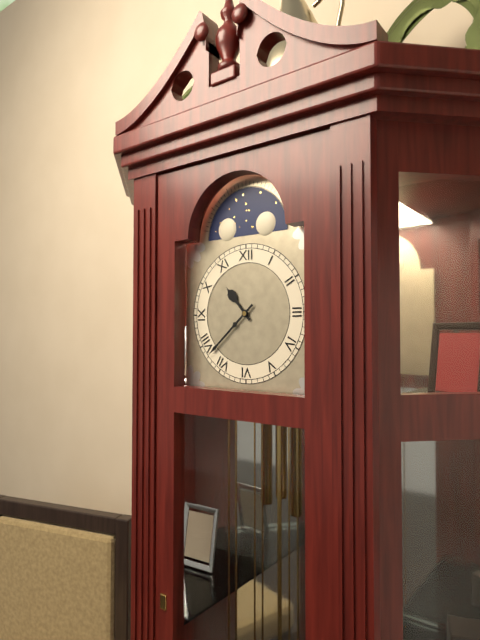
10:38
